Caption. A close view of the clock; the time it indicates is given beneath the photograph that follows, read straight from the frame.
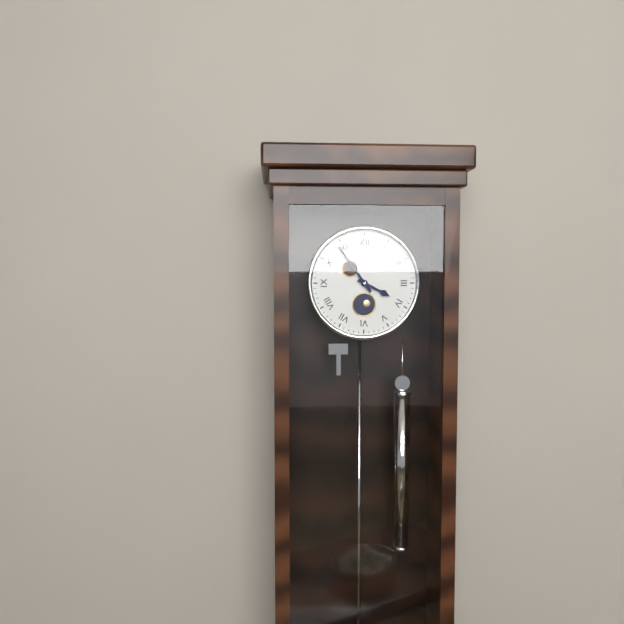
3:54
